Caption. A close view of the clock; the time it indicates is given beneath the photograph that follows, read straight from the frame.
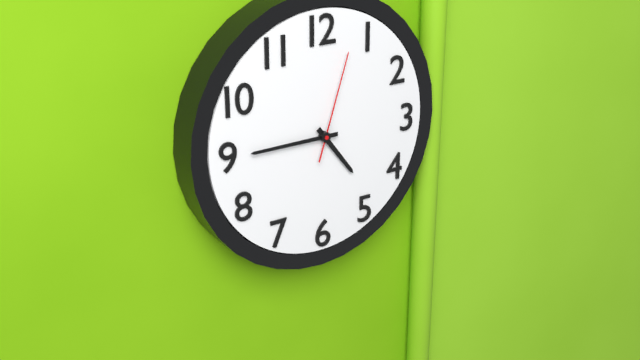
4:45:03
